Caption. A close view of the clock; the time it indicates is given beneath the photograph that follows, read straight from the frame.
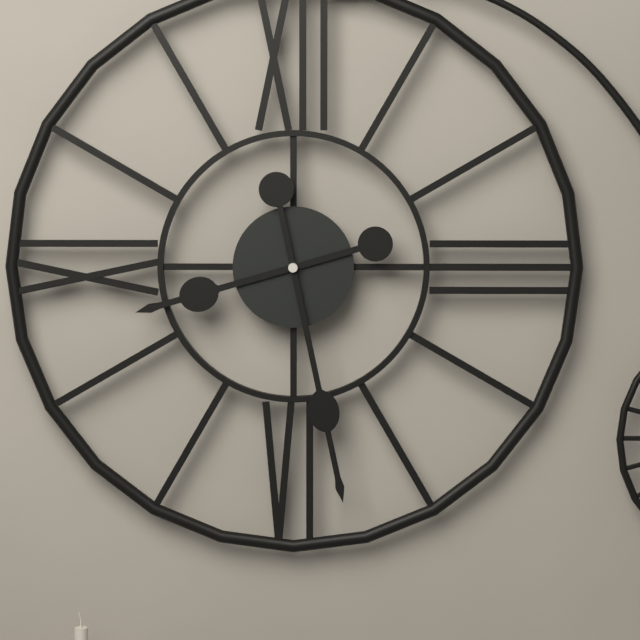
8:28
